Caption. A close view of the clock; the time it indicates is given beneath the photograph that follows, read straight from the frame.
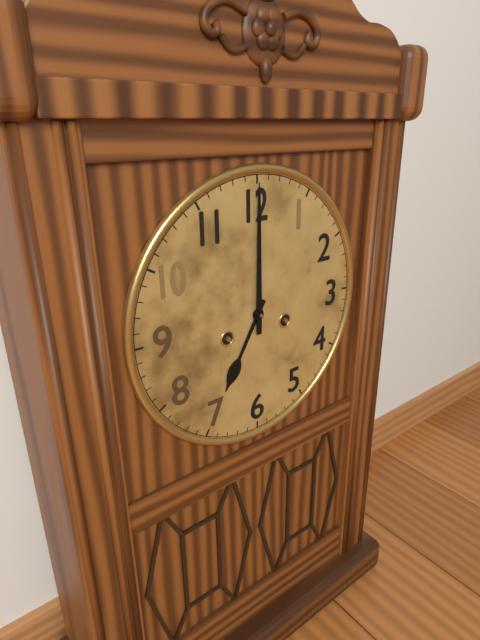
7:00
